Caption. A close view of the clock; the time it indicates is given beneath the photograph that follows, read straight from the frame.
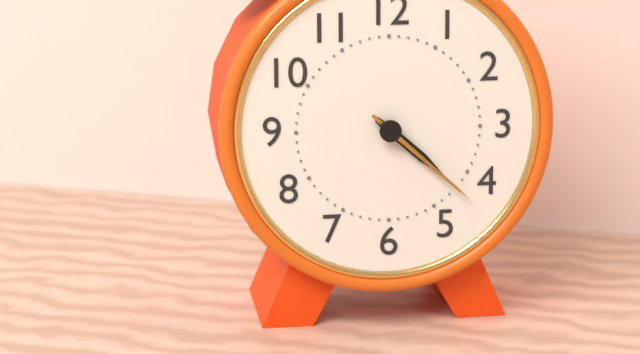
4:22
